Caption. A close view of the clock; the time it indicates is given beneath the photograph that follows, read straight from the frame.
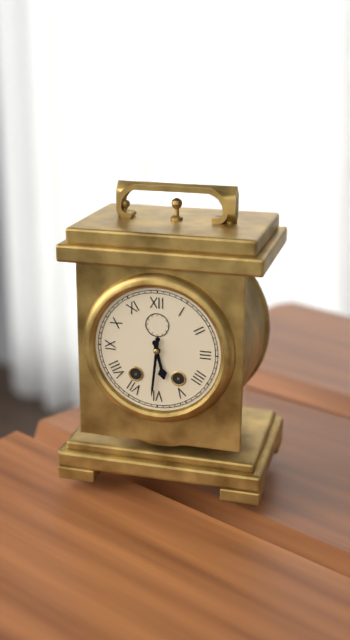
5:31
